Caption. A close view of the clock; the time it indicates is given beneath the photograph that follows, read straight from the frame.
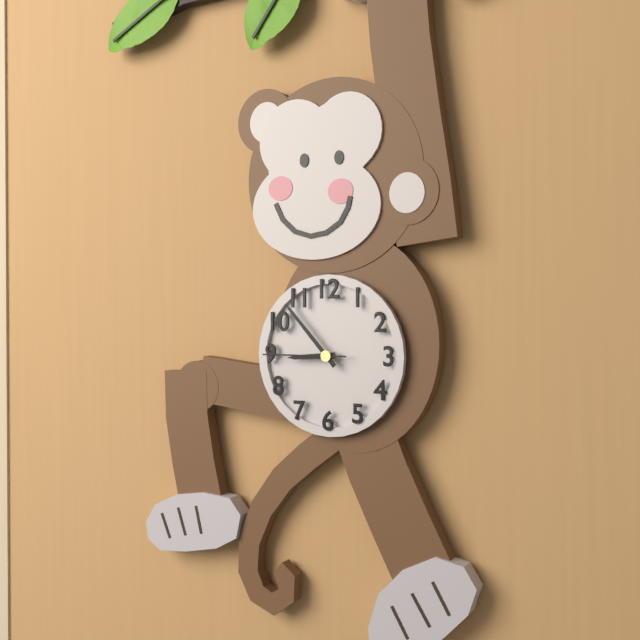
8:53:45
